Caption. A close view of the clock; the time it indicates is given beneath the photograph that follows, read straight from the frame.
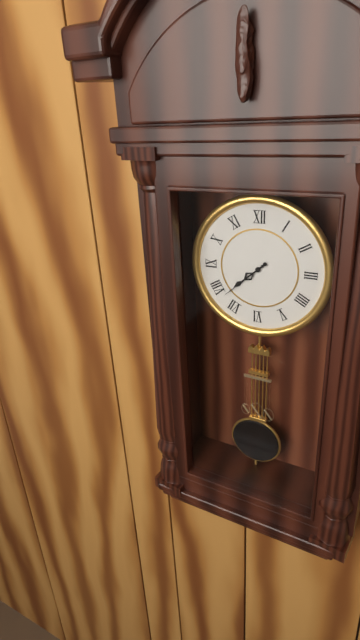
7:38
